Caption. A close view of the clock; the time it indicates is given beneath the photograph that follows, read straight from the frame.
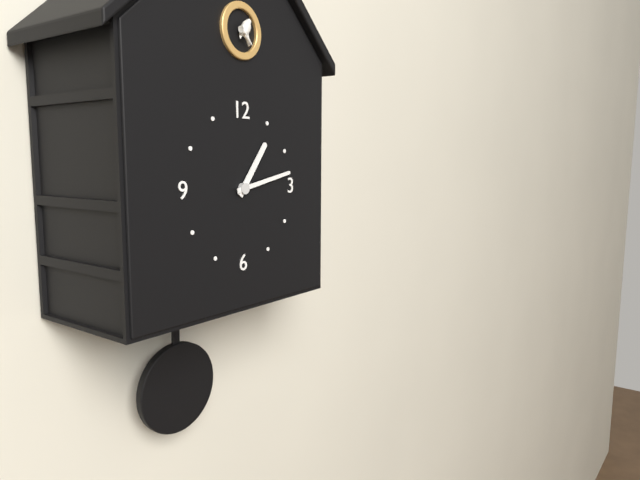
1:13
